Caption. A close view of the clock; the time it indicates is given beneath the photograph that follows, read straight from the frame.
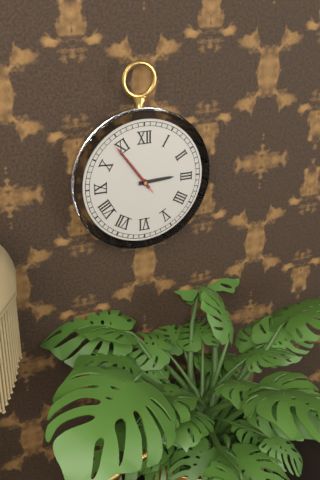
2:54:54
